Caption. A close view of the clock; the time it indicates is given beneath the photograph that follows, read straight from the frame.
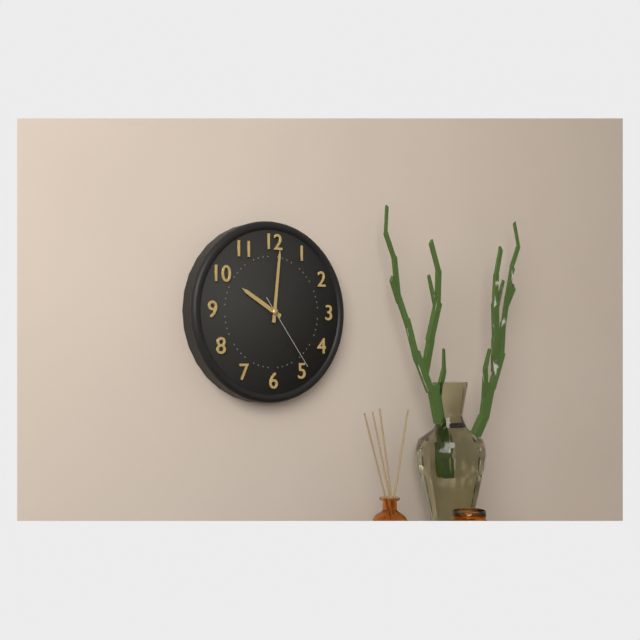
10:01:24
